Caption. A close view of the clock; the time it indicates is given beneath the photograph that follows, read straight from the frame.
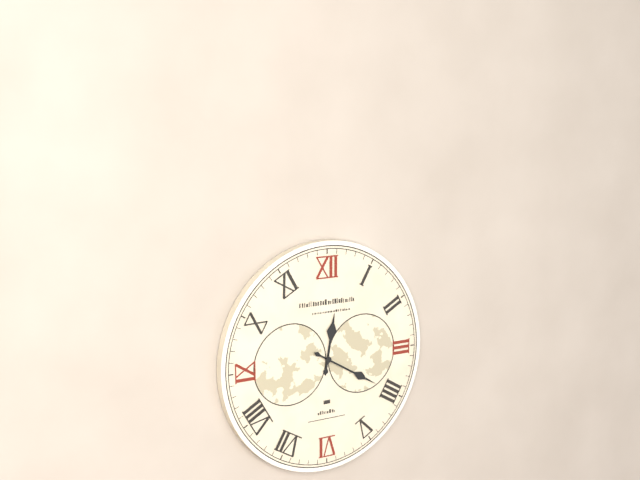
12:20
